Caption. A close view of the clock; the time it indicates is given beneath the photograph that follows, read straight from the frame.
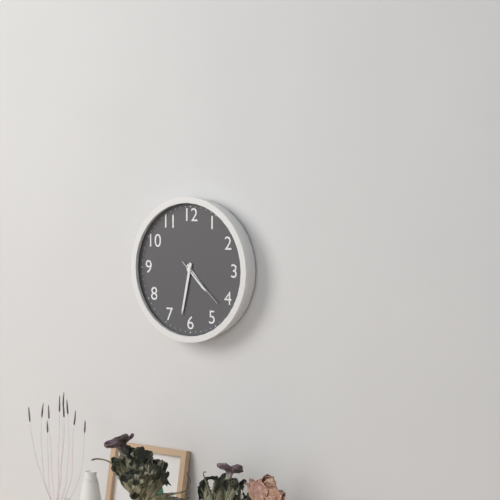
4:32:22
